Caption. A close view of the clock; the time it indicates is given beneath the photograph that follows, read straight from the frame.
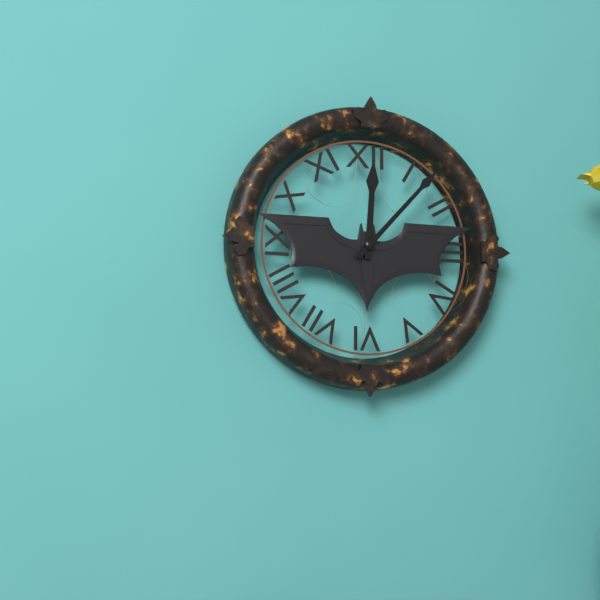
12:07
